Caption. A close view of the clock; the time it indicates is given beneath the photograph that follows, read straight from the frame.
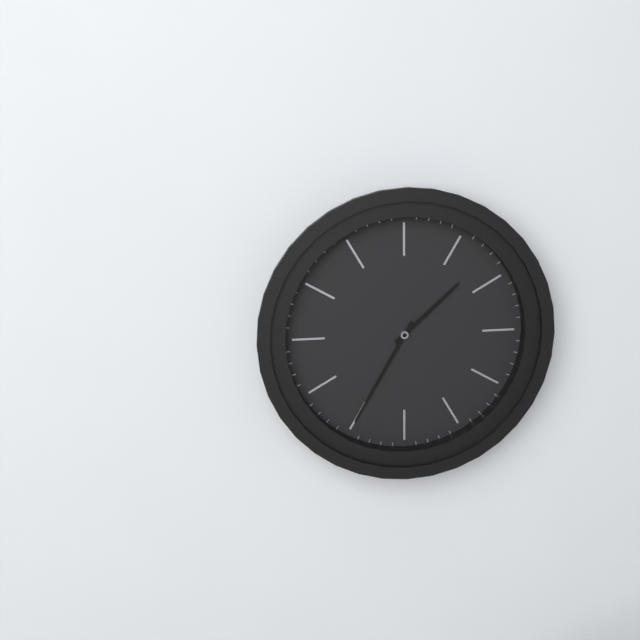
1:35
